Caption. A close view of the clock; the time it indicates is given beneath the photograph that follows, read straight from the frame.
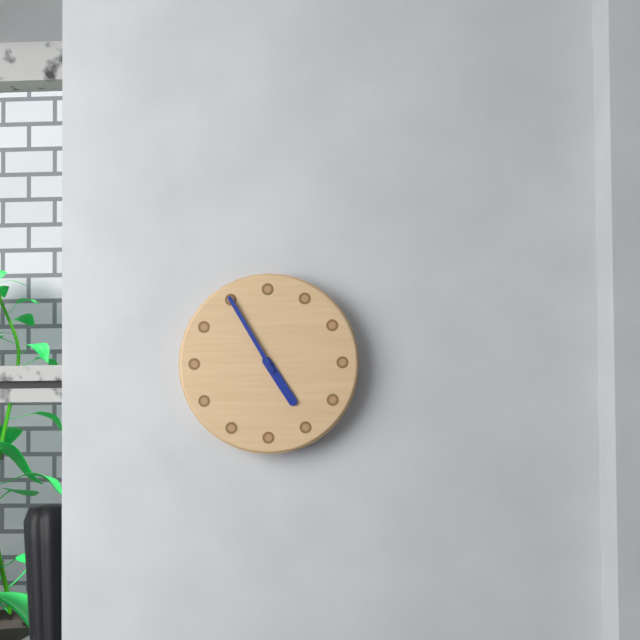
4:55
